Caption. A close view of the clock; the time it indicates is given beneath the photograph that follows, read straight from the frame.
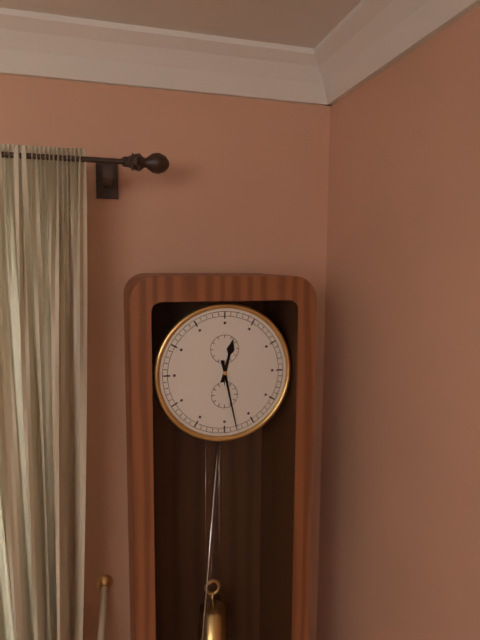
12:28
